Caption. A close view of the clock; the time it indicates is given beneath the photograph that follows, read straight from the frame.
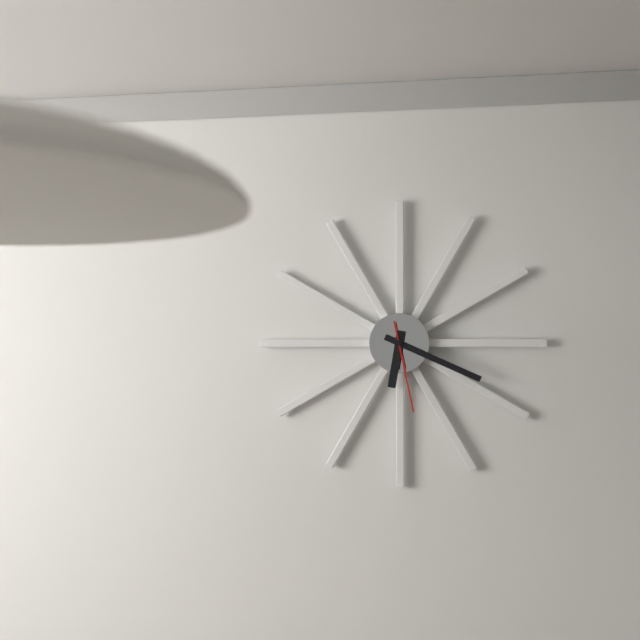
6:19:28
